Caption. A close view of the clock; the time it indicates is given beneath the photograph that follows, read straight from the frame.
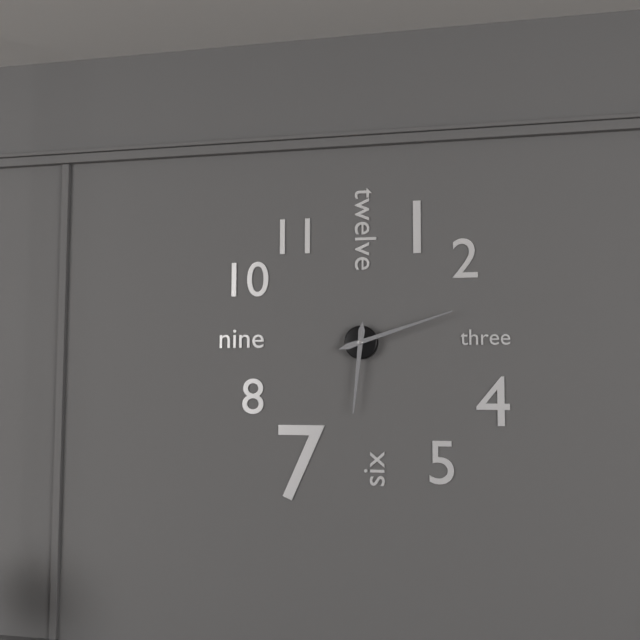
6:12
